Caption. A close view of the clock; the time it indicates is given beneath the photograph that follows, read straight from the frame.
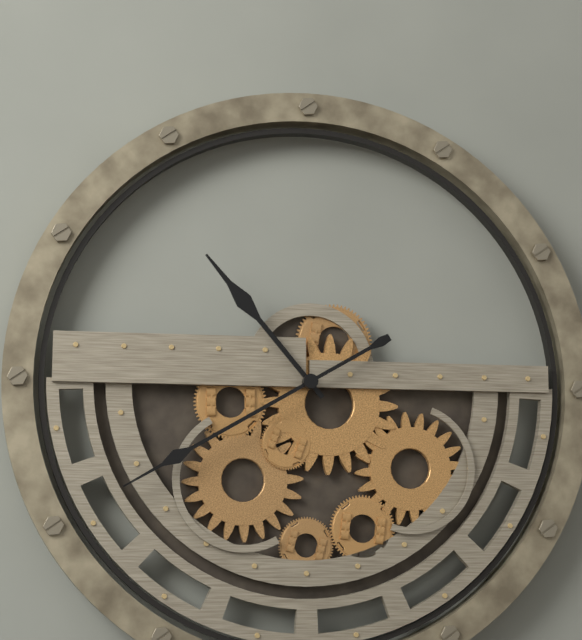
10:40
